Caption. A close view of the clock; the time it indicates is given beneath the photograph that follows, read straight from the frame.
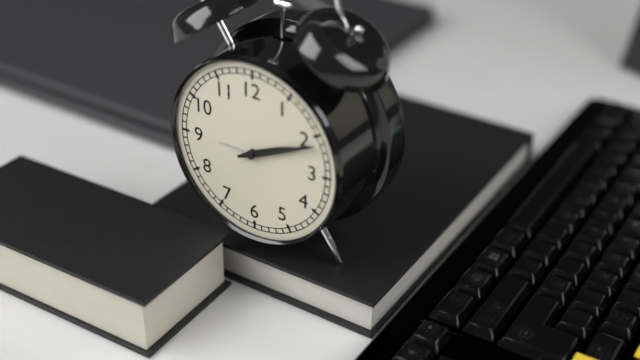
2:11
